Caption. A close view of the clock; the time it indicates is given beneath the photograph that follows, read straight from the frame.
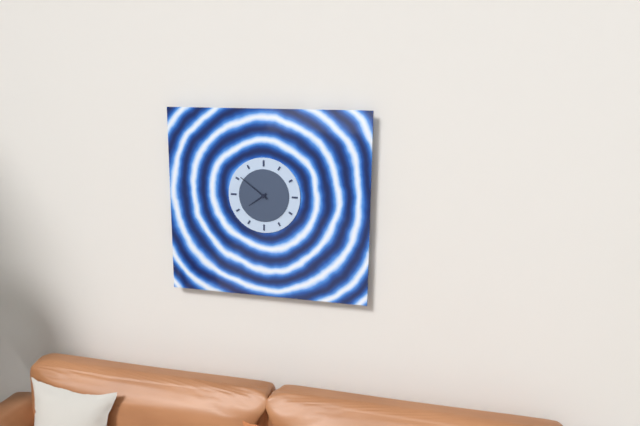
7:51
